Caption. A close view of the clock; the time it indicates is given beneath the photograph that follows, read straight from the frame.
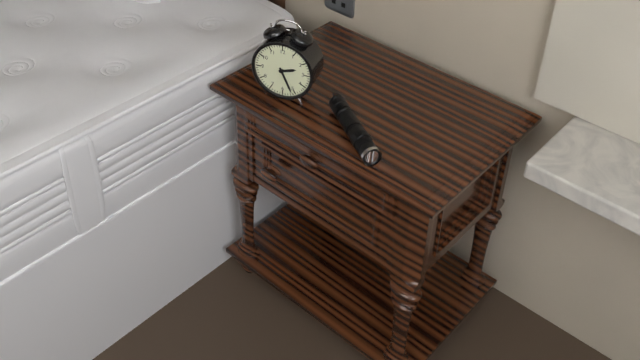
2:26
